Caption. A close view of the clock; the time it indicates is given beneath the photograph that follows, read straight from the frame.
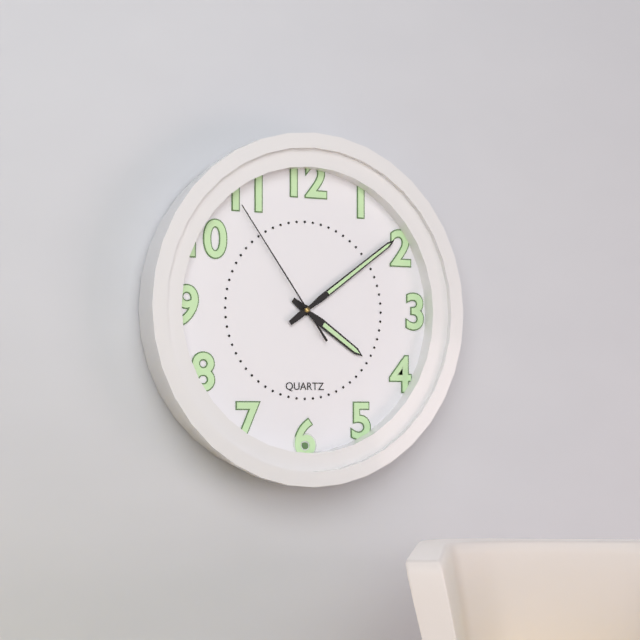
4:09:54
